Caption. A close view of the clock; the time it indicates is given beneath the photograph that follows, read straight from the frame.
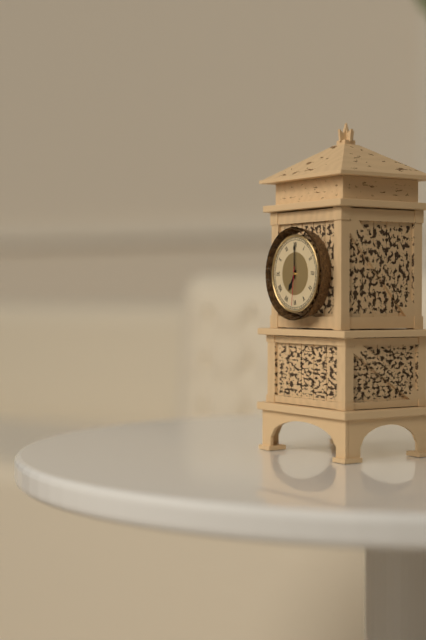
7:00
